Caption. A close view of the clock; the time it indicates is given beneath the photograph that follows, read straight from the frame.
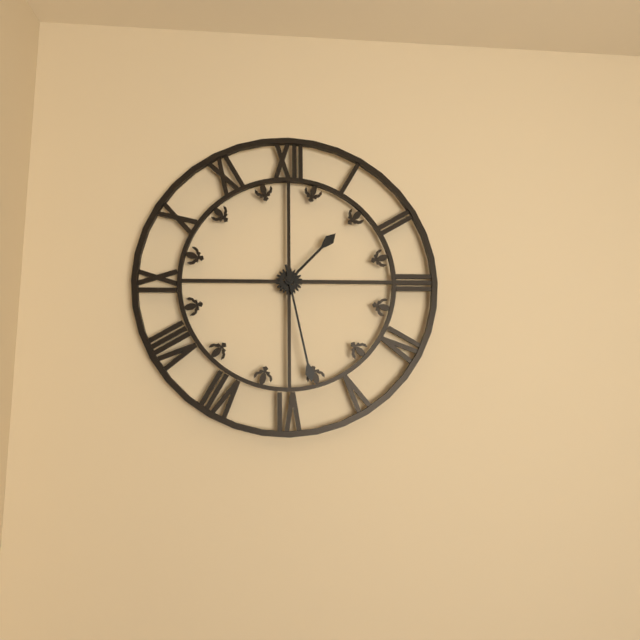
1:28
